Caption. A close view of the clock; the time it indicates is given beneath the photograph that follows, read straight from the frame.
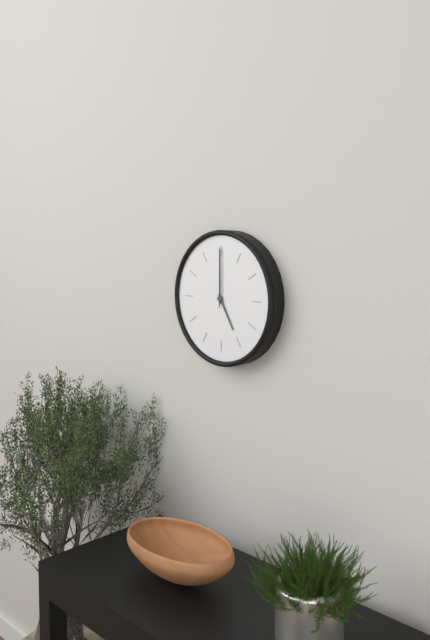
5:00:00
